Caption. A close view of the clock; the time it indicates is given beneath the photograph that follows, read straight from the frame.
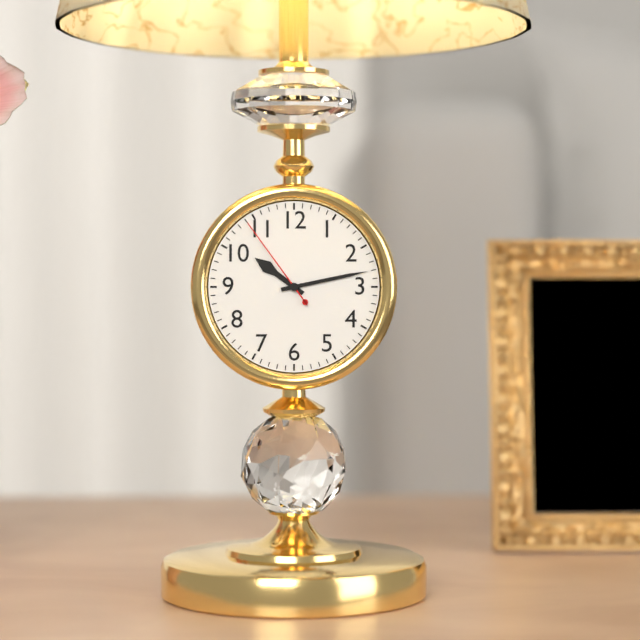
10:13:54
